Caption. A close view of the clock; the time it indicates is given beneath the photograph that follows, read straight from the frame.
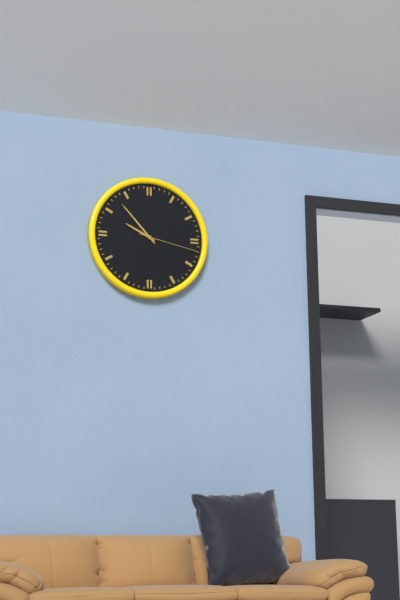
9:53:17
